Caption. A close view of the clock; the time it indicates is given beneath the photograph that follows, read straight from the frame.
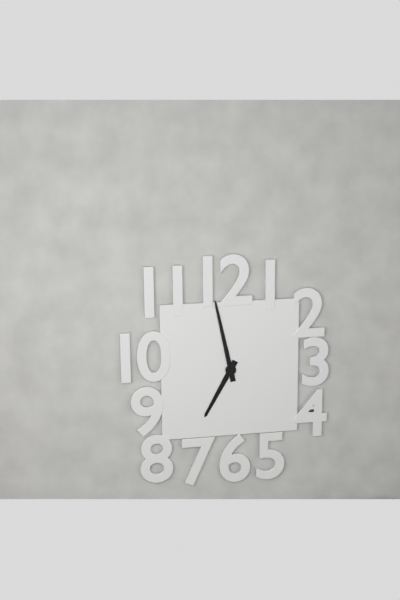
6:58
